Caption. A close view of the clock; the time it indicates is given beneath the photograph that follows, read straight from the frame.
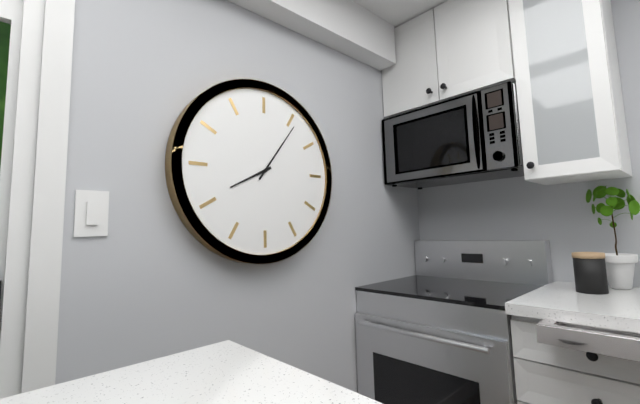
8:06
